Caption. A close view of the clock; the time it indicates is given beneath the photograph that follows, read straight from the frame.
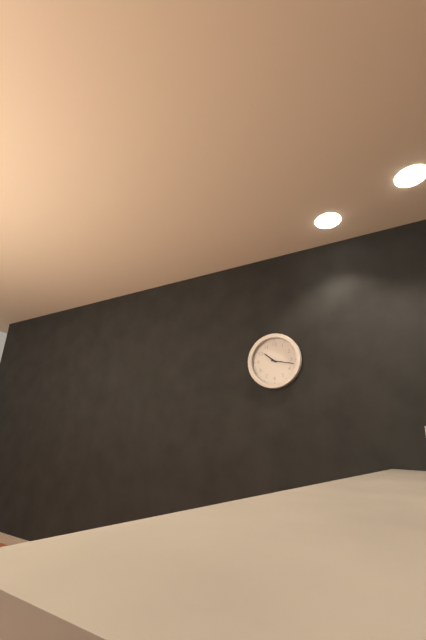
10:17
